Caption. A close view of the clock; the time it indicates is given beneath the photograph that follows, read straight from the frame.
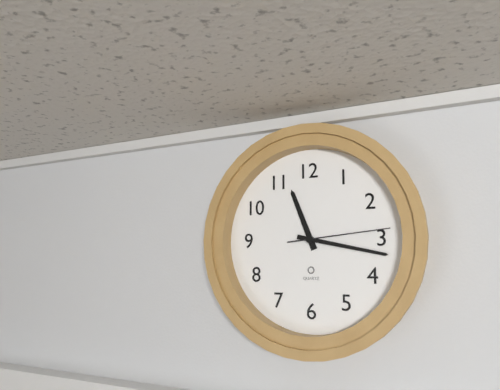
11:17:14
